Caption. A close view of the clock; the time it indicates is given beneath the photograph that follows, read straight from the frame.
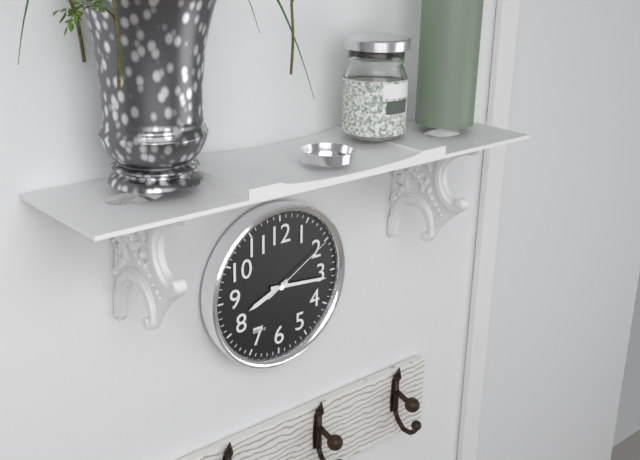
8:16:10
